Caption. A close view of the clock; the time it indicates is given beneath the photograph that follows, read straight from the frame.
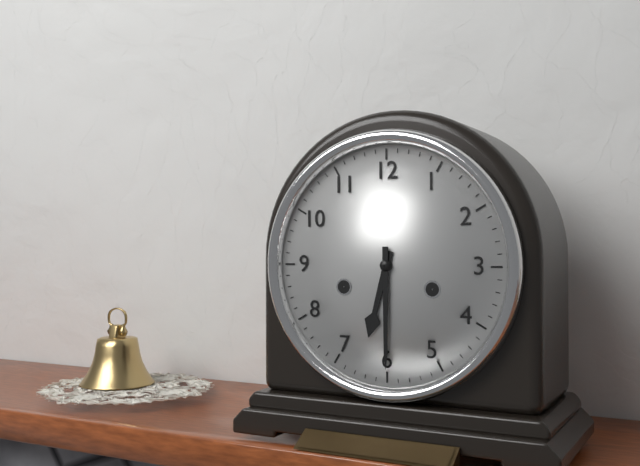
6:30
